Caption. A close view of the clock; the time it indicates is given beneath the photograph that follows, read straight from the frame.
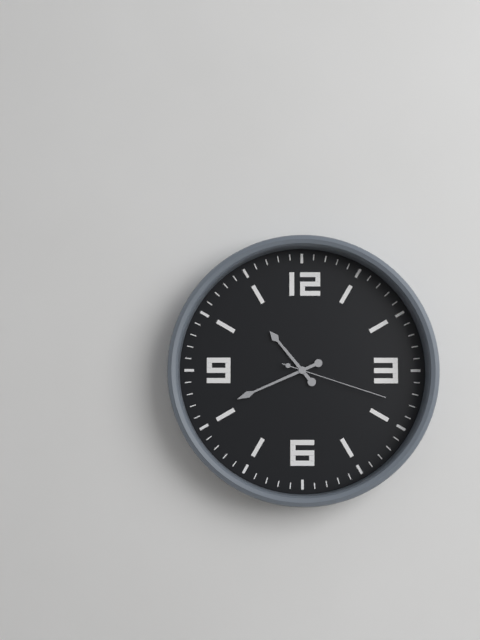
10:41:18
